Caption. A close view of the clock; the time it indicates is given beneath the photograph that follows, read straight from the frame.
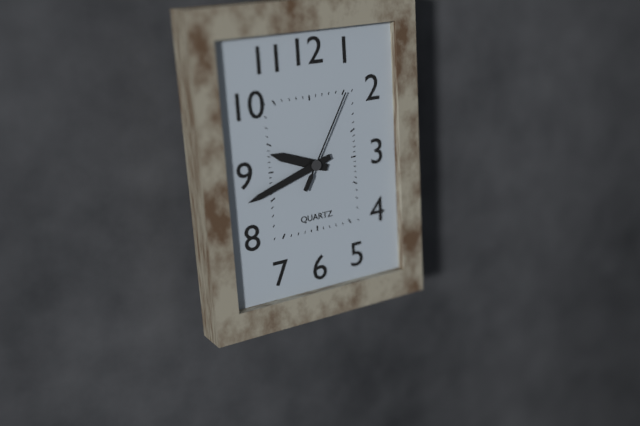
9:42:05
